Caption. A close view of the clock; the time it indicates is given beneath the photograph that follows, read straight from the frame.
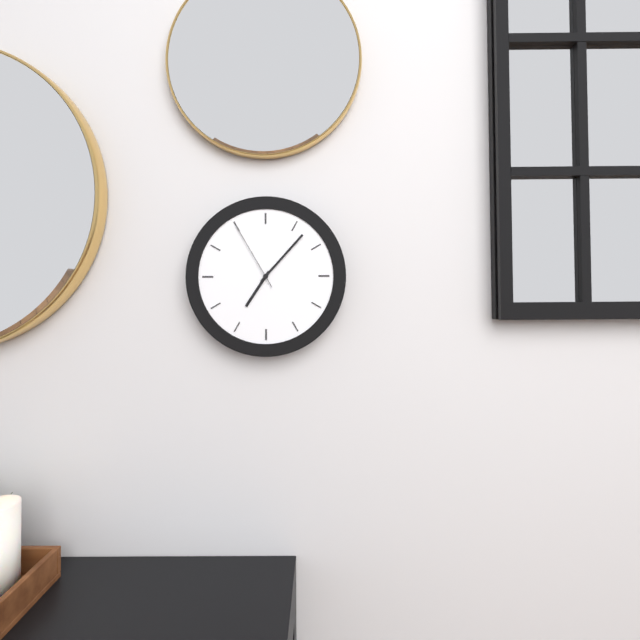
7:07:55
